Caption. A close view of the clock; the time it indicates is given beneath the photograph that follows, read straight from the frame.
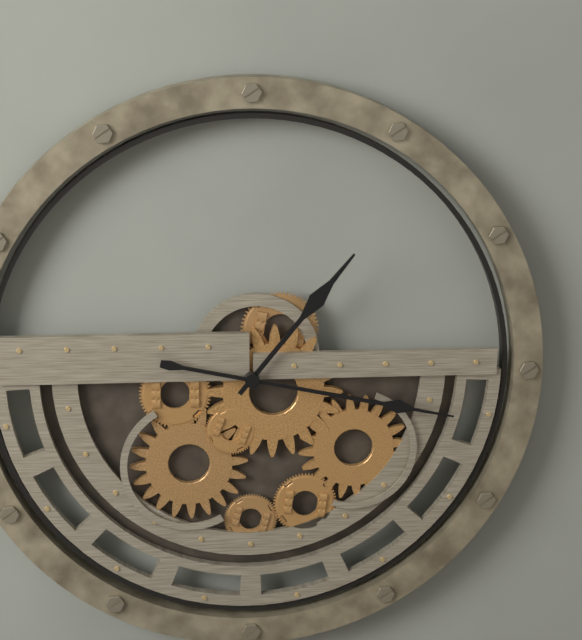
1:17
